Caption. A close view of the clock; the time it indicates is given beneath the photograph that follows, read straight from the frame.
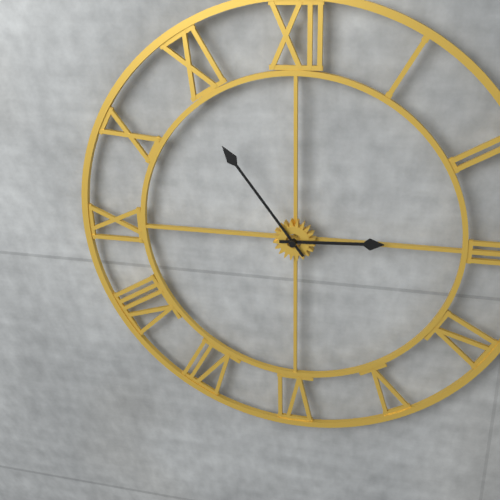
2:54
